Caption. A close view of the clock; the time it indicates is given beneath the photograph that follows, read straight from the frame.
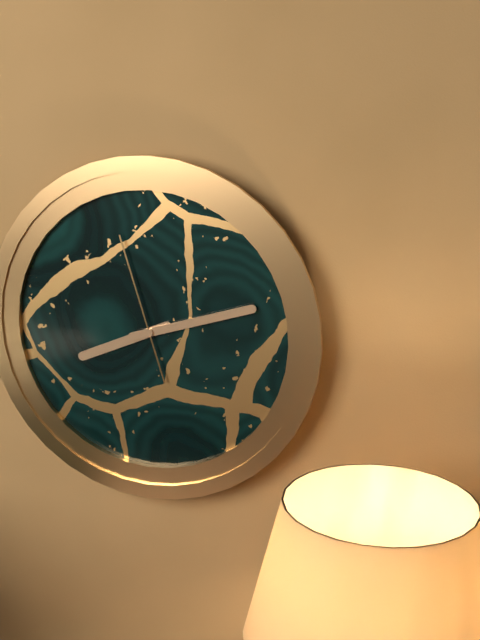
8:12:57
